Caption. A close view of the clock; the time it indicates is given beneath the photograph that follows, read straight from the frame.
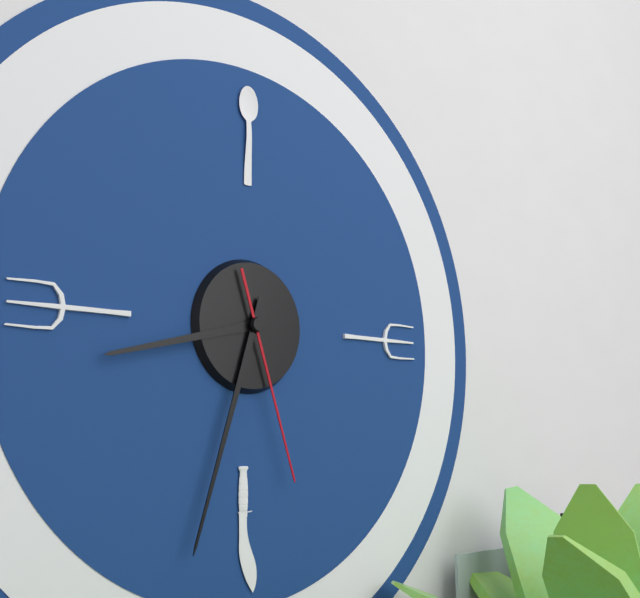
8:33:27
